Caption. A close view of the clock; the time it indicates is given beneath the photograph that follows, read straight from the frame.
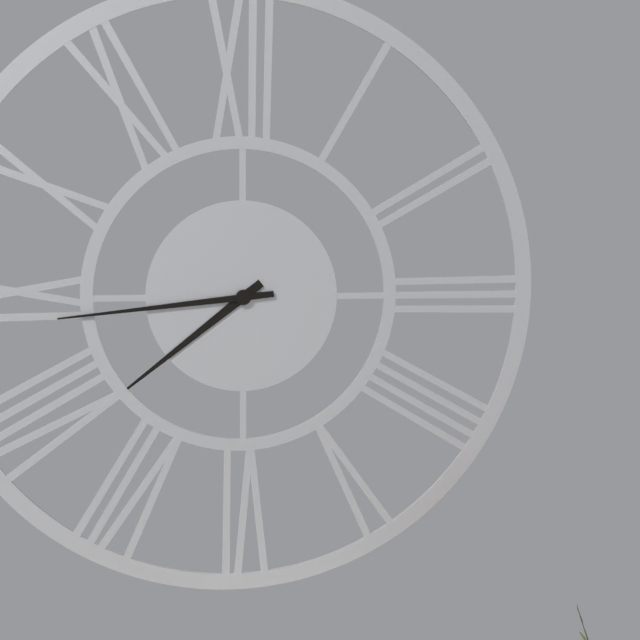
7:44
